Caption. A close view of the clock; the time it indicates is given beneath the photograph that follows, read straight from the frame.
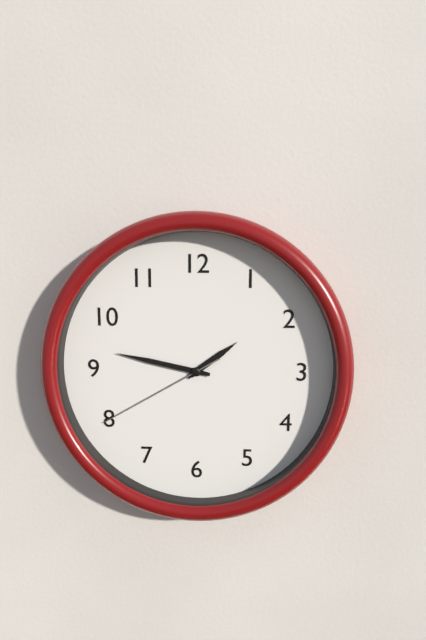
1:47:40
